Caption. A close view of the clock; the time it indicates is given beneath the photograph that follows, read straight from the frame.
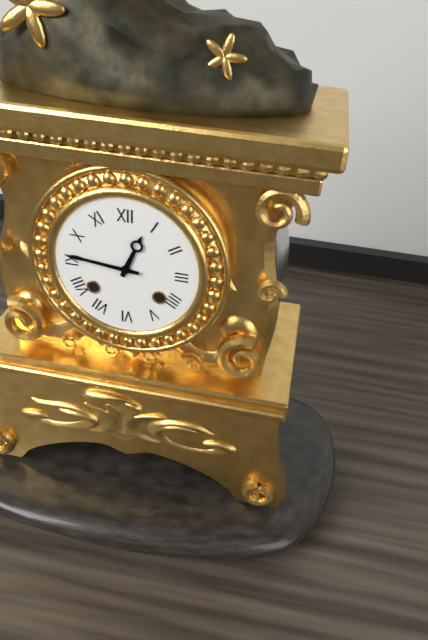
12:46
